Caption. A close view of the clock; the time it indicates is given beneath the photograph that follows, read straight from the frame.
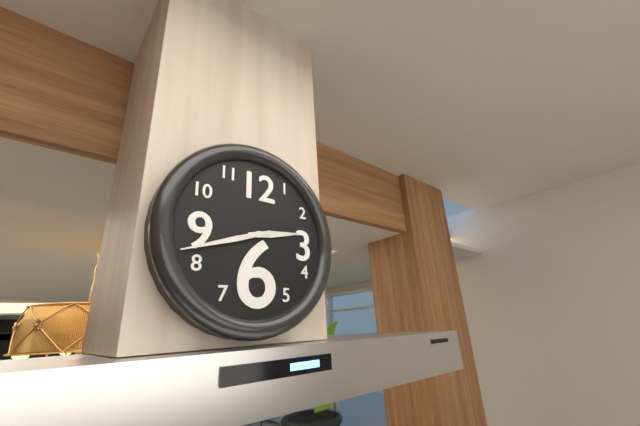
2:42
